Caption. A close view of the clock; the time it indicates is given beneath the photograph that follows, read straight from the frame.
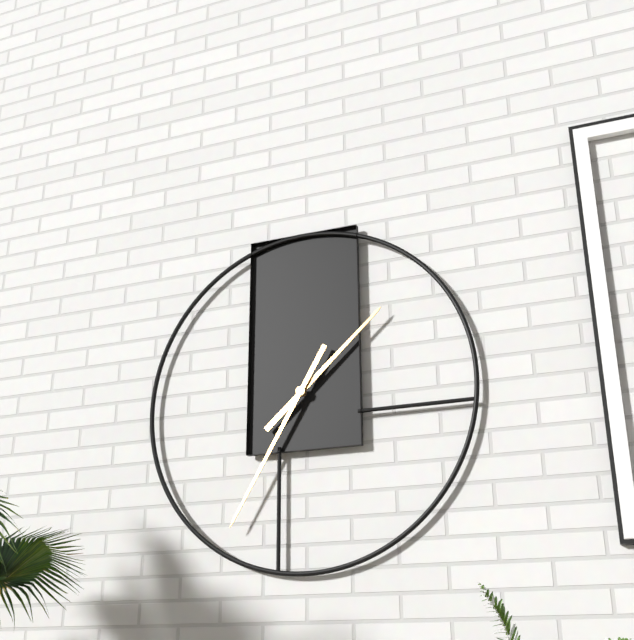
1:35
